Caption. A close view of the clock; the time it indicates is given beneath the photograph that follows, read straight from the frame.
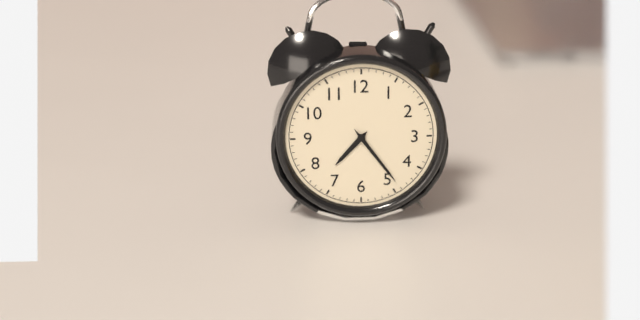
7:24
